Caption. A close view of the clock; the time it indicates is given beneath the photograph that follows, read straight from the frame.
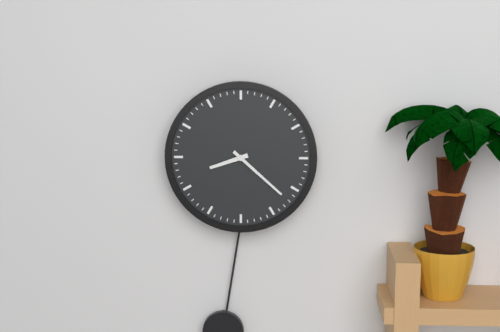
8:22
